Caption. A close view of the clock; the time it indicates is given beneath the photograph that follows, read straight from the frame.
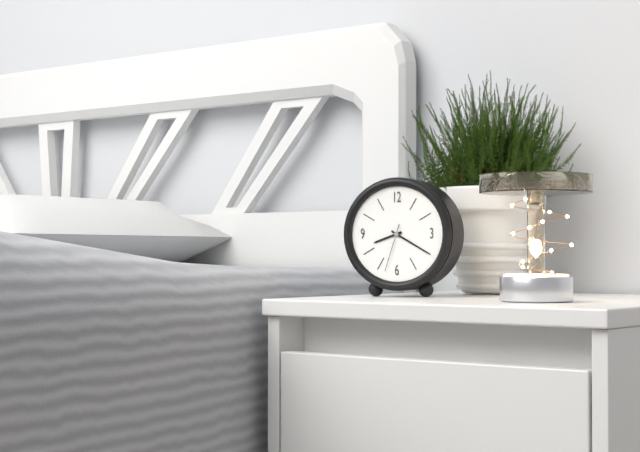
8:20
